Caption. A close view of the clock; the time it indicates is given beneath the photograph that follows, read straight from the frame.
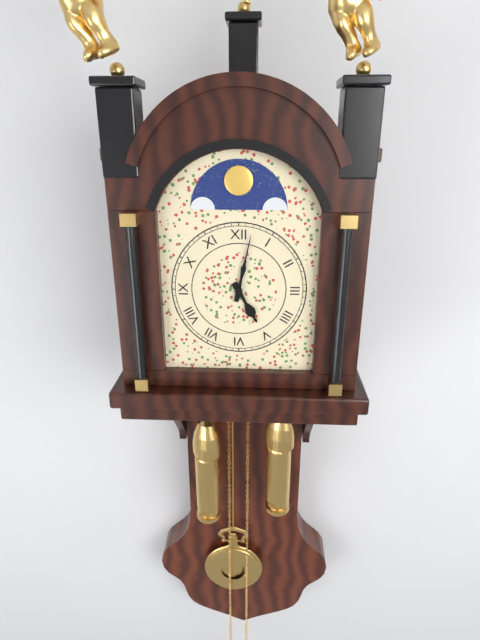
5:02
